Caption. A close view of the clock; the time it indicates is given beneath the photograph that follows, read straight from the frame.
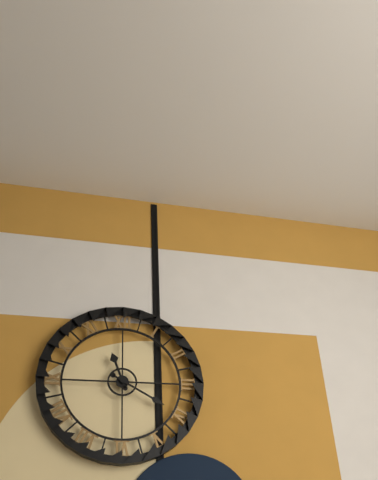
11:20
